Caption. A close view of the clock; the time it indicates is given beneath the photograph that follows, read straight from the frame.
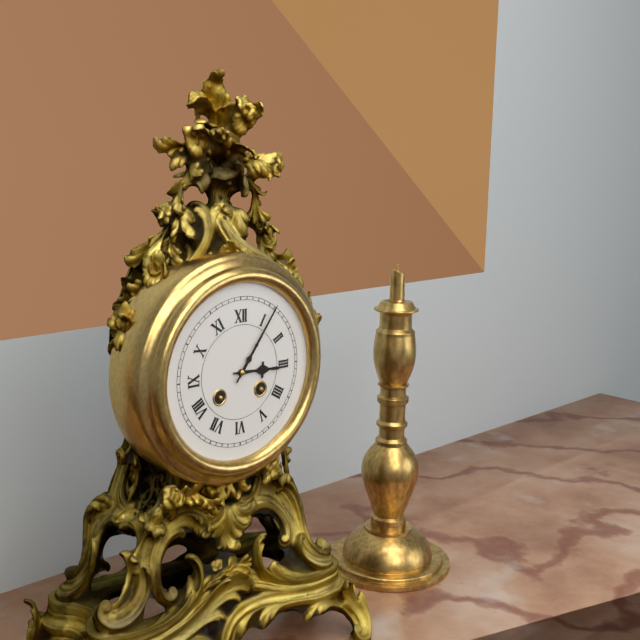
3:06
